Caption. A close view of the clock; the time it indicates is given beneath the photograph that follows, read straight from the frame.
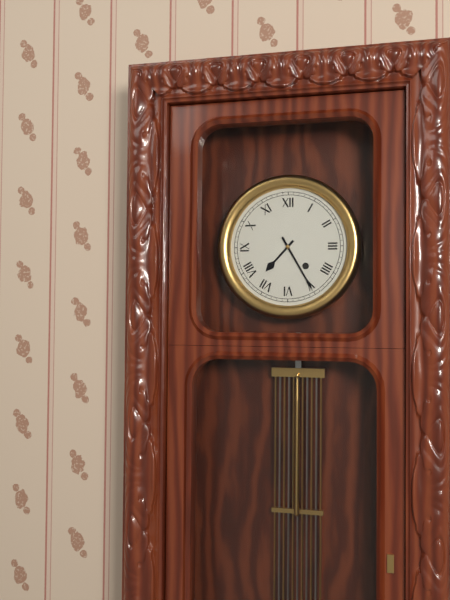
7:25
